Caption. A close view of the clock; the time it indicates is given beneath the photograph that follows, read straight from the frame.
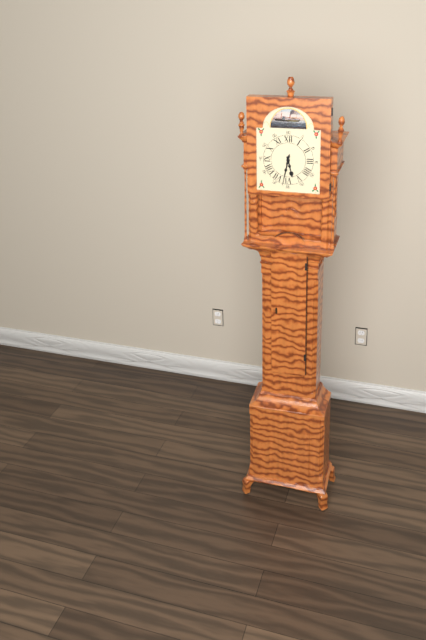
5:32
